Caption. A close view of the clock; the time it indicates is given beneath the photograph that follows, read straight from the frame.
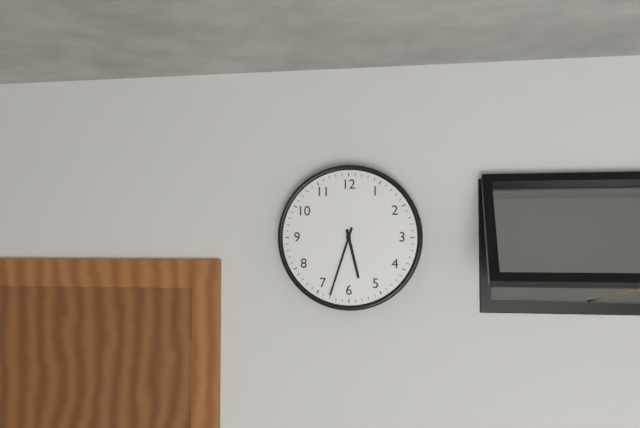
5:33
